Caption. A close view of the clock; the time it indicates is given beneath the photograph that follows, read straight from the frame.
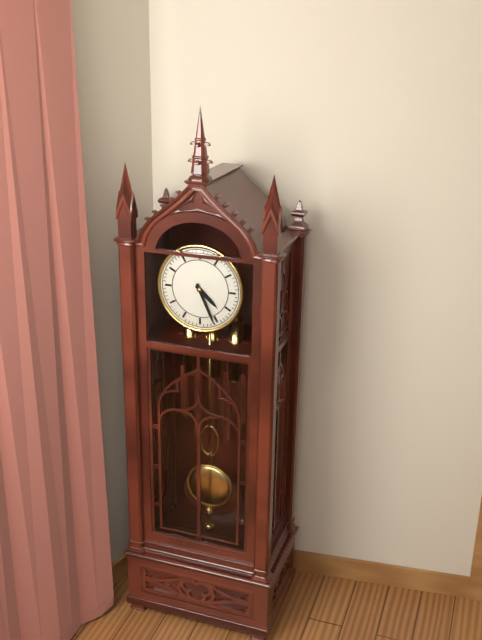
4:26
